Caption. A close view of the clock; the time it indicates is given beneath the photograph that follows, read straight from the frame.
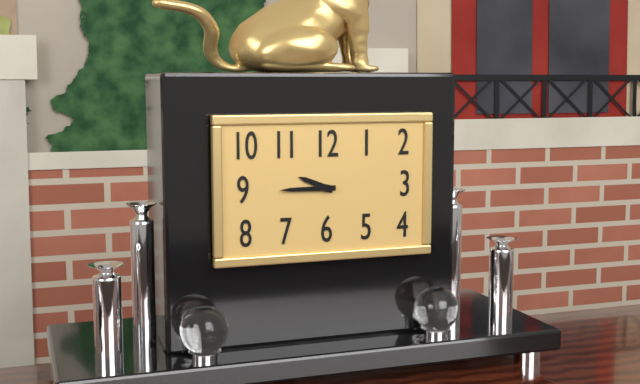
9:45
